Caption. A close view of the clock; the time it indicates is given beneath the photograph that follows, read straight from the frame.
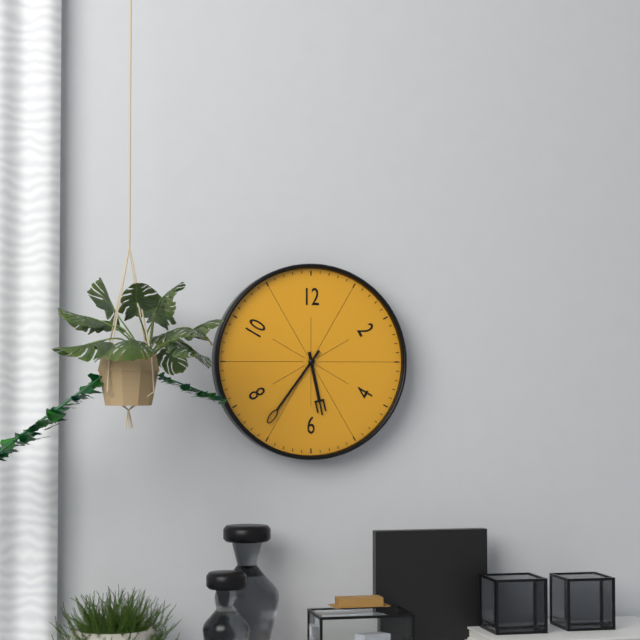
5:36
